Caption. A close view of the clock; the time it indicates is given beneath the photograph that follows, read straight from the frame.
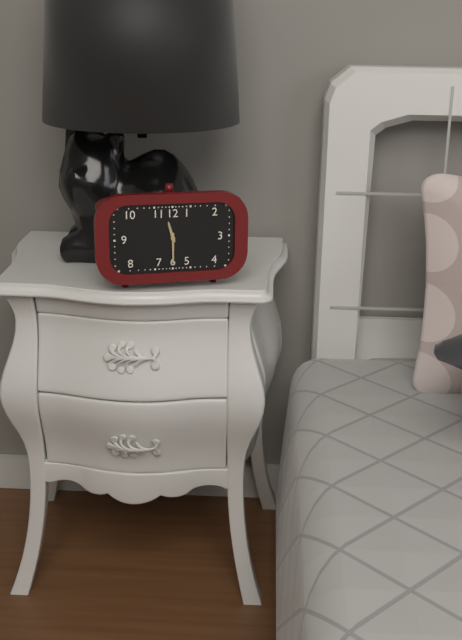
11:30
